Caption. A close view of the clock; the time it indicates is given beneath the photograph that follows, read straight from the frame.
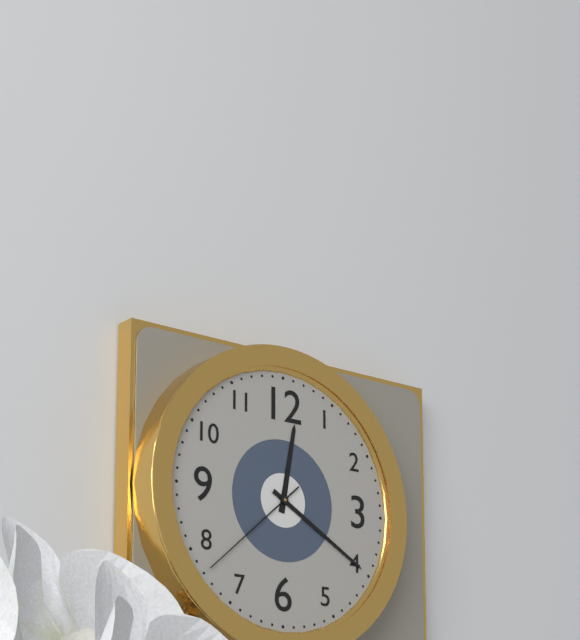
12:20:38
